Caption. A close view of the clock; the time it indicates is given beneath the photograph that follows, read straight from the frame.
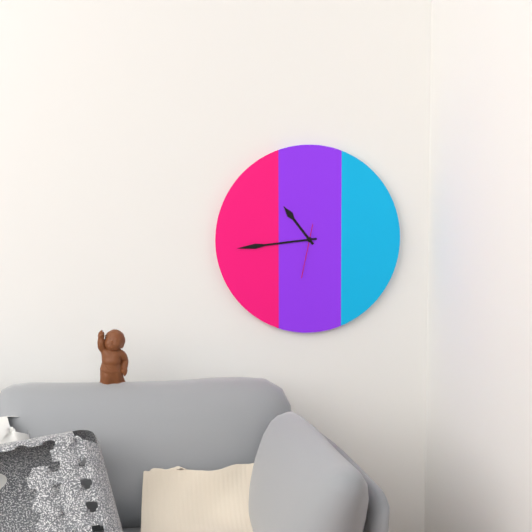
10:44
